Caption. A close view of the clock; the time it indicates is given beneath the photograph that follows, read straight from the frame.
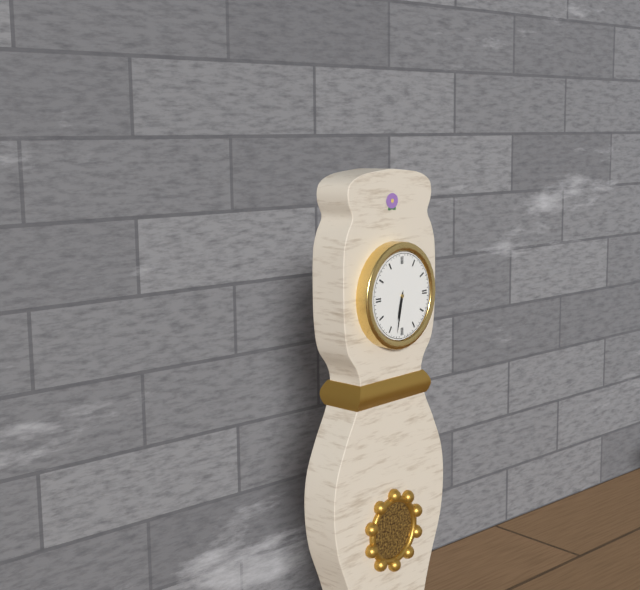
6:32
